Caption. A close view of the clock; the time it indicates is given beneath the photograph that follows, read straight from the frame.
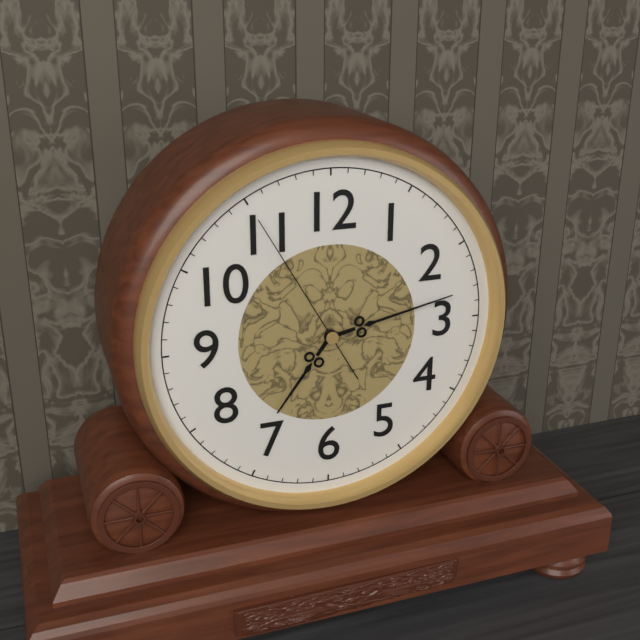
7:13:55
